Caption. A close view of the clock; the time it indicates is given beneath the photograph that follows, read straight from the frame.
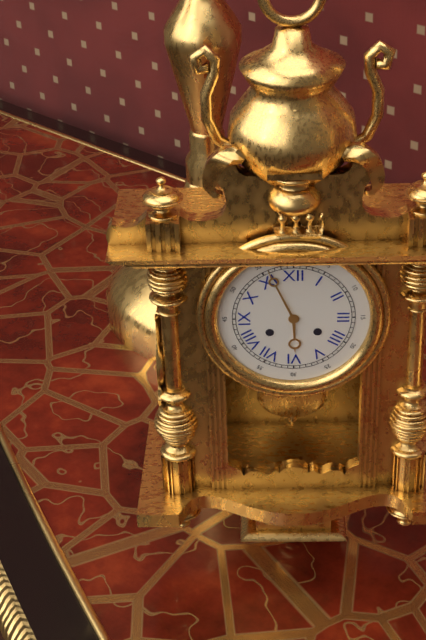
5:56
